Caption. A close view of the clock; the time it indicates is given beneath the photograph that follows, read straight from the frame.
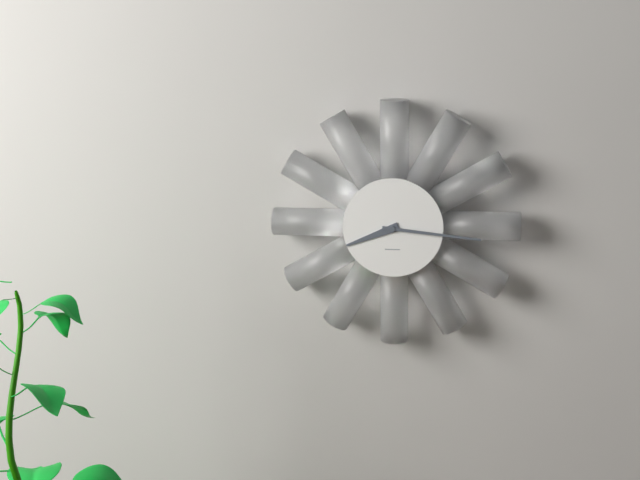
8:16
